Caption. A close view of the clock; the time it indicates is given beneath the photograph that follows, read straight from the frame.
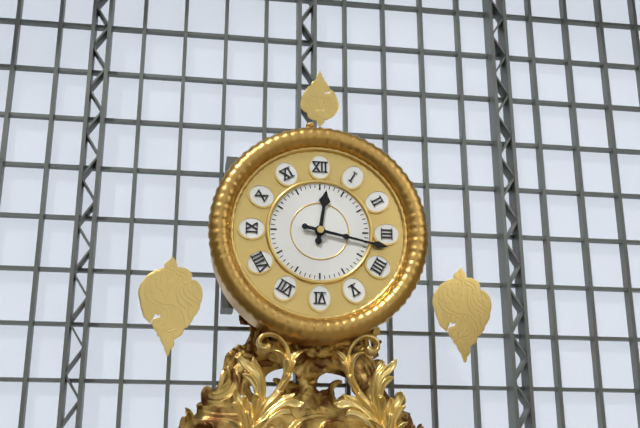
12:17
